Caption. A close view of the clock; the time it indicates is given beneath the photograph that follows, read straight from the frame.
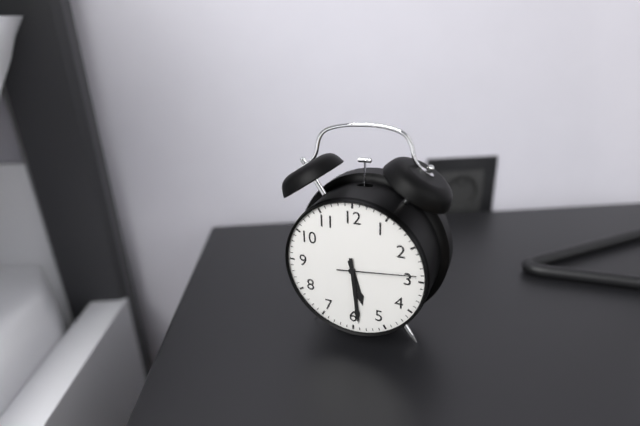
5:29:14
